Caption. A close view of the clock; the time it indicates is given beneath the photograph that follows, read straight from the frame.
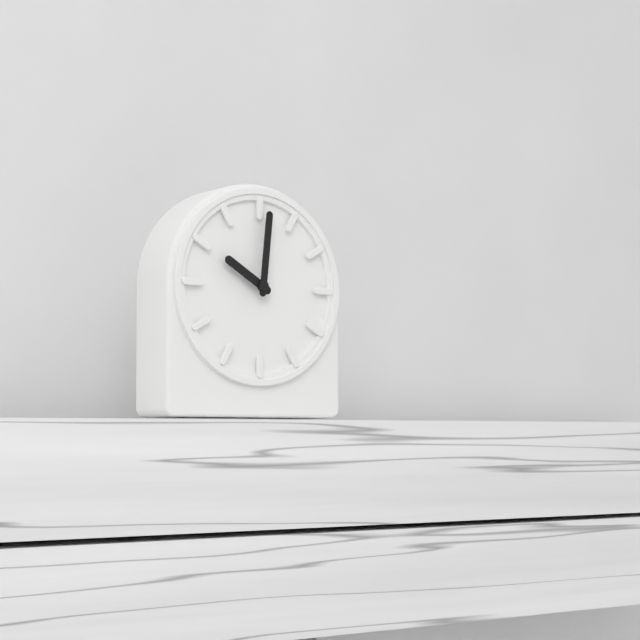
10:01
